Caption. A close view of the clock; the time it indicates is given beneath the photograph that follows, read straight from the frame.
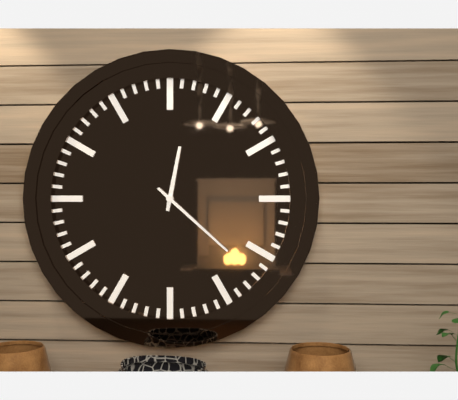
12:22
